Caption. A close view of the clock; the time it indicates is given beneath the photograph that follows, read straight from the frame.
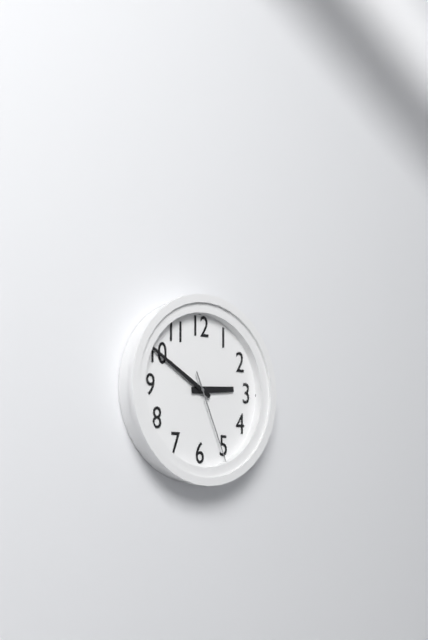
2:50:26
